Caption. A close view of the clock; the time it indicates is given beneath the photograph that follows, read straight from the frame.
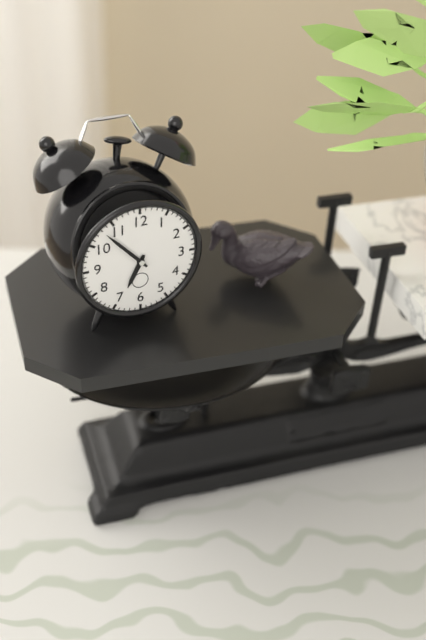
6:53
